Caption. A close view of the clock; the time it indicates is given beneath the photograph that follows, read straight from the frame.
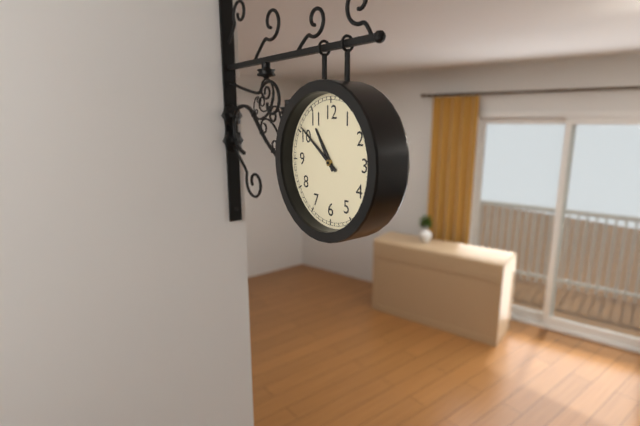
10:51
